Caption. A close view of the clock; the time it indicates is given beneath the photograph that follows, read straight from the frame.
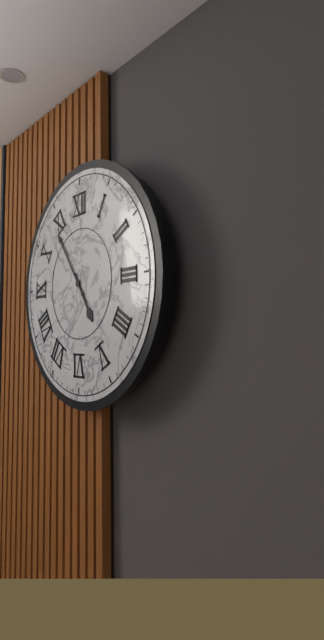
4:54
